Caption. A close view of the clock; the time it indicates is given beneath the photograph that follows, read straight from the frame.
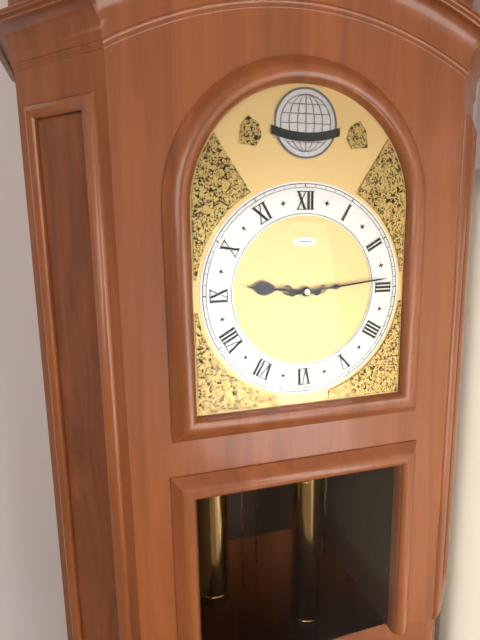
9:14
